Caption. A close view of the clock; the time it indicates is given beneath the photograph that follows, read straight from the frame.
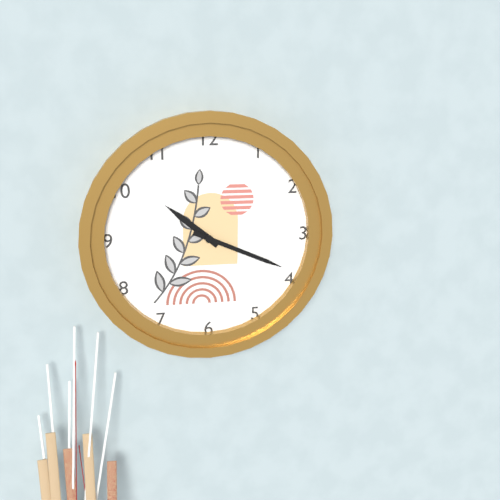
10:19
